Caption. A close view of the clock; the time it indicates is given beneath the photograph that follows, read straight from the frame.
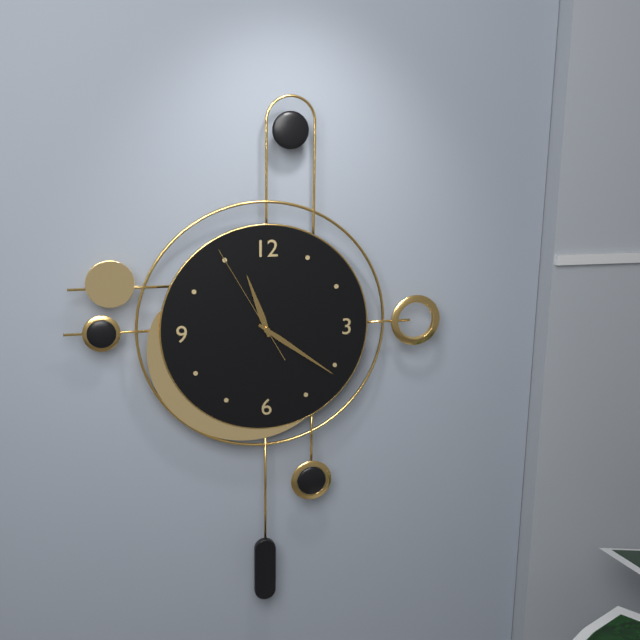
11:21:55
